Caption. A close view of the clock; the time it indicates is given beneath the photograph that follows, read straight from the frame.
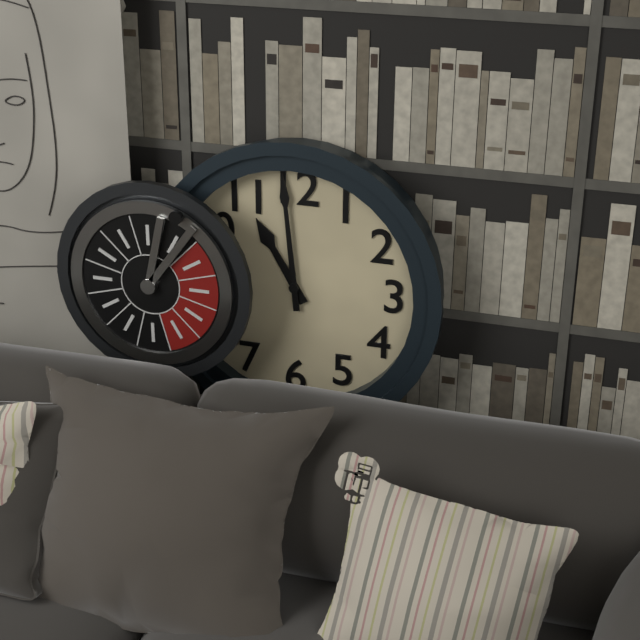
10:59
